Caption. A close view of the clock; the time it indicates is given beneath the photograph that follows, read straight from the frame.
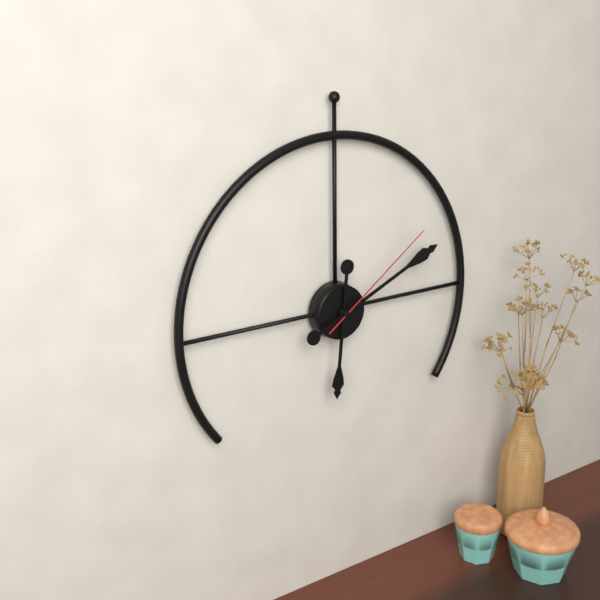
6:11:09
